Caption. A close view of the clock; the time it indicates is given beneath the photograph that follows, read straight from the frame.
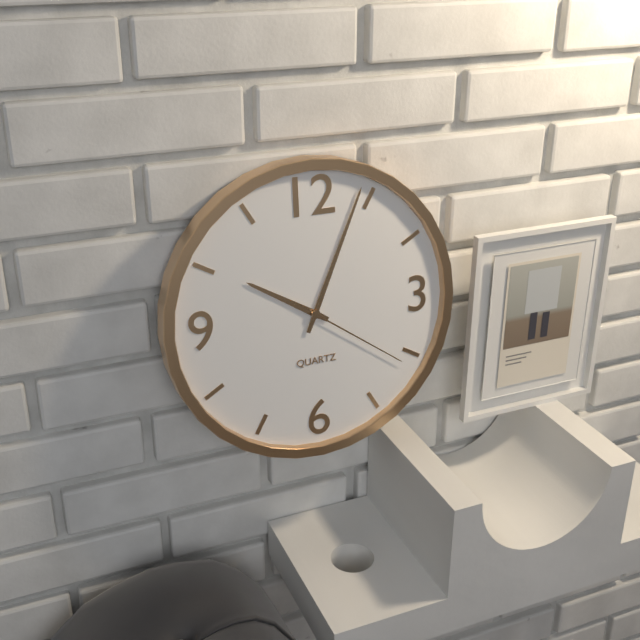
10:04:21
